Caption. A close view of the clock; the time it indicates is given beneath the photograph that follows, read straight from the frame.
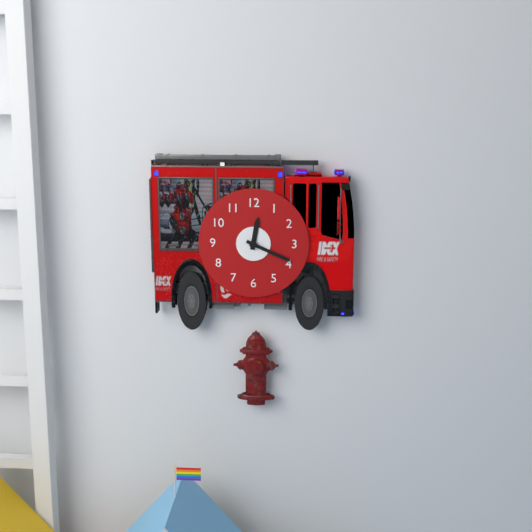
12:19
